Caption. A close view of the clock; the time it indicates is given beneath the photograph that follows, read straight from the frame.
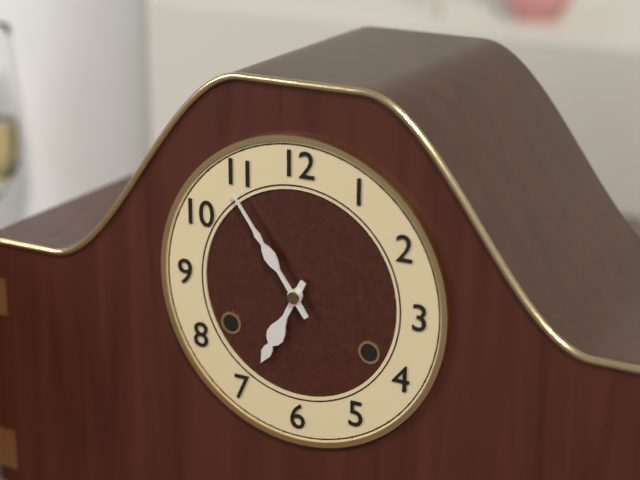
6:54
